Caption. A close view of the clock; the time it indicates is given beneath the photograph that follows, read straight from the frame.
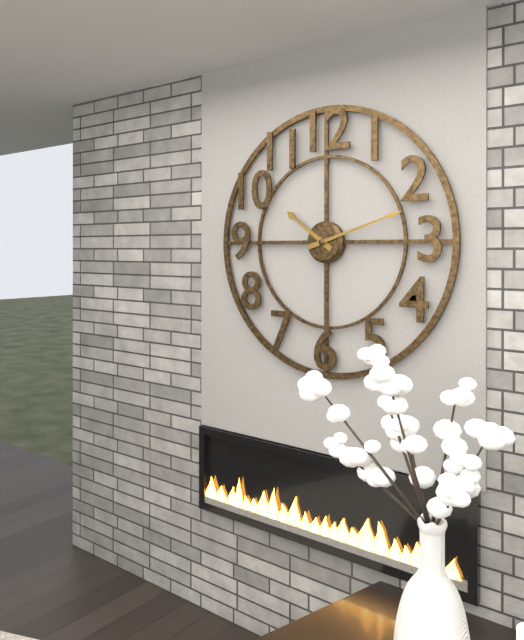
10:12
